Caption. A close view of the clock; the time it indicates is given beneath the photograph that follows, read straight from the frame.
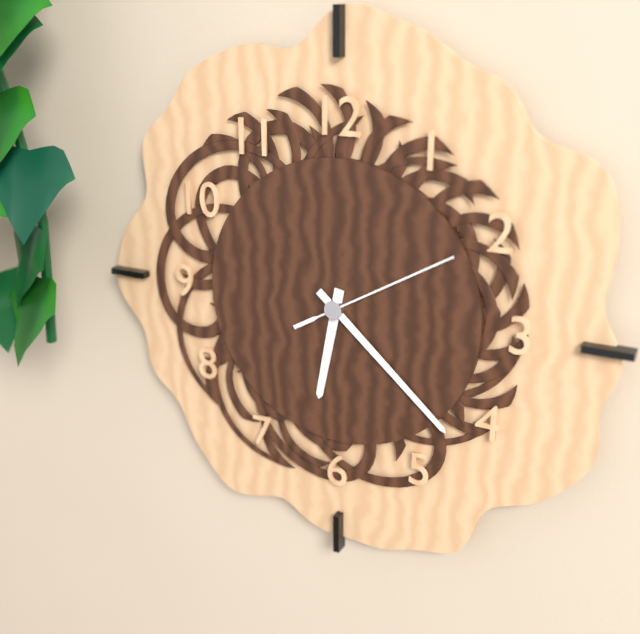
6:22:10
